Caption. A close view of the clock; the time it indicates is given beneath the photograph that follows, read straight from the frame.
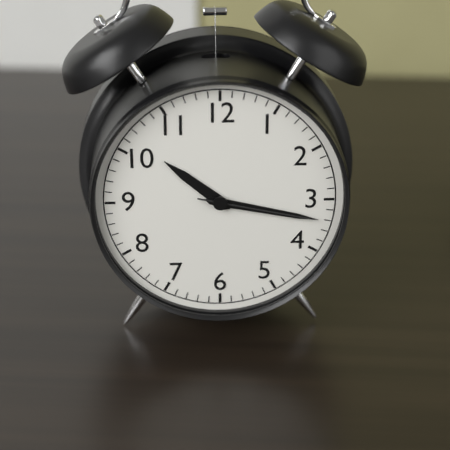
10:17:17
